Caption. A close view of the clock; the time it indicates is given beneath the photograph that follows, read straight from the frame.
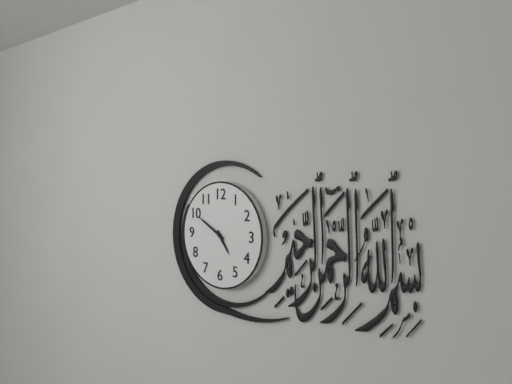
4:50
